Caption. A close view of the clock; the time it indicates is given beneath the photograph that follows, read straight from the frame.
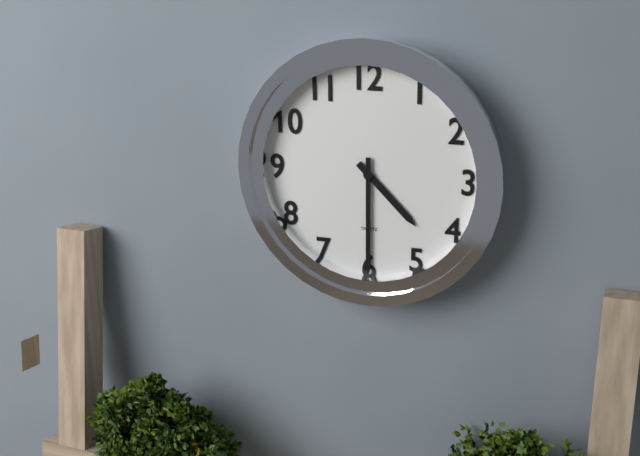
4:30
